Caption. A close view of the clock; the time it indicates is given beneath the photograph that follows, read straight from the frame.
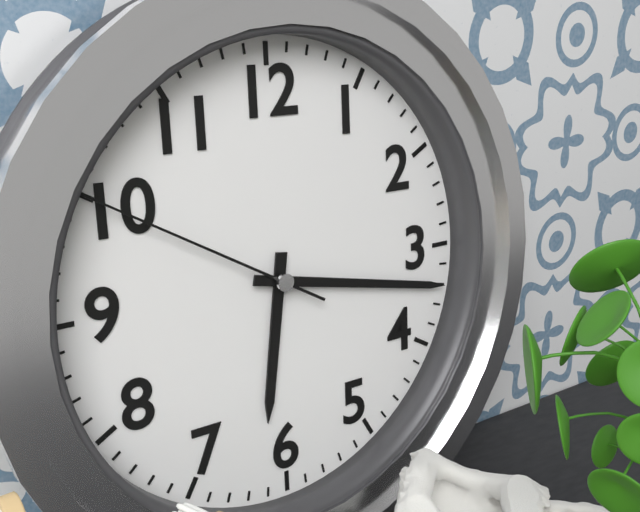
6:17:50
